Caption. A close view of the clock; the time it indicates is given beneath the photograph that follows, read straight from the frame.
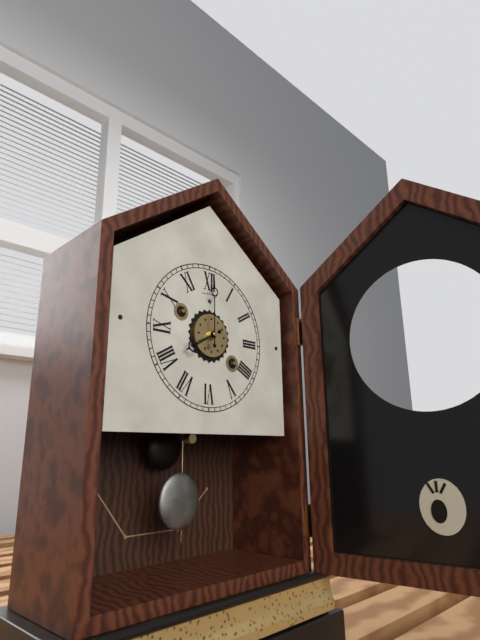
8:00
